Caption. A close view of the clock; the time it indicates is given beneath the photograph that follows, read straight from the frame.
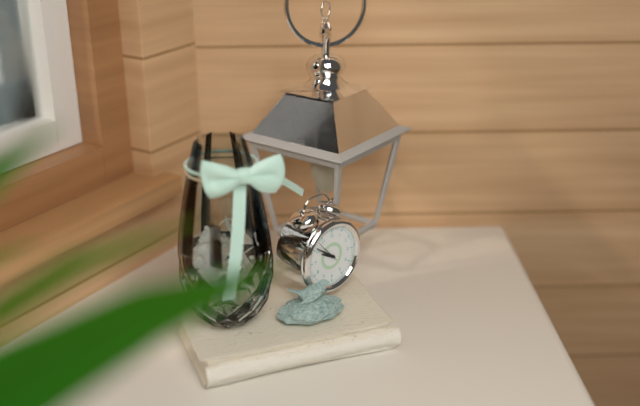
9:51
